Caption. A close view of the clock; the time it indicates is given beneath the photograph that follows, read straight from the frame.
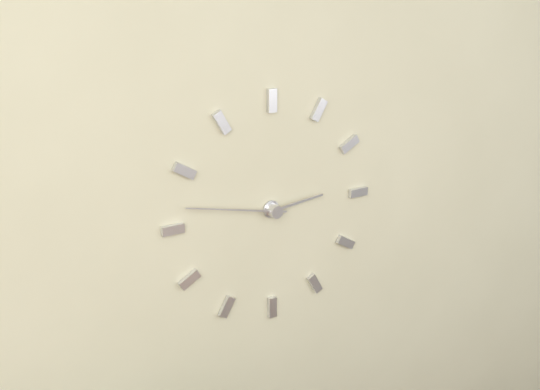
2:47
